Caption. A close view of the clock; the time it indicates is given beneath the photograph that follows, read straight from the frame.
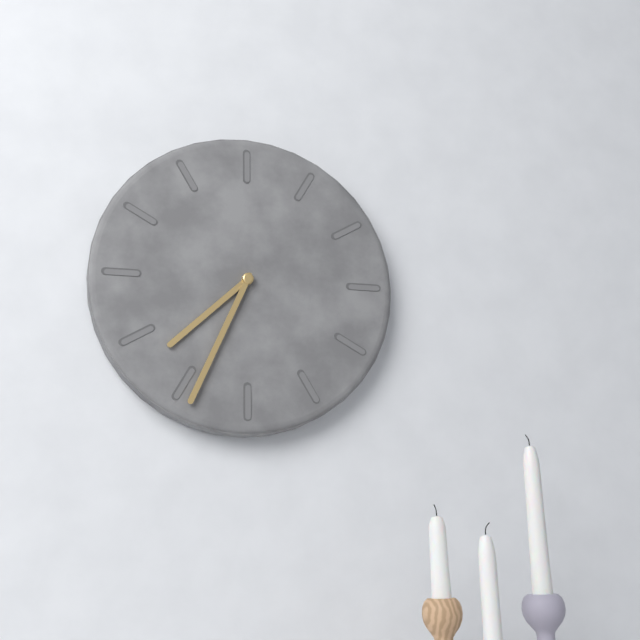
7:34
